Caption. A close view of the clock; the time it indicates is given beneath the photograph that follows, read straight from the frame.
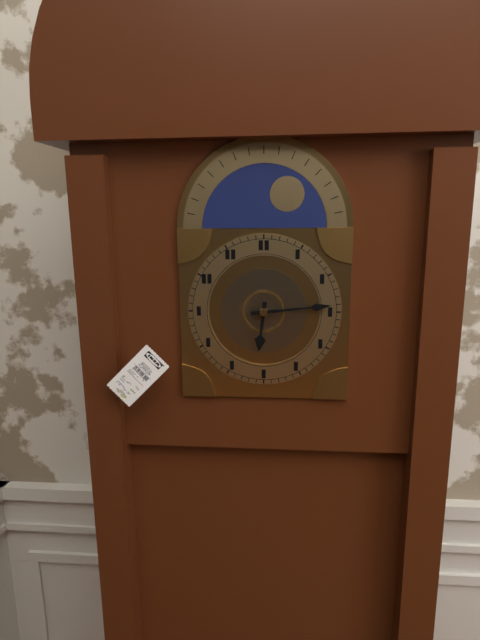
6:14
